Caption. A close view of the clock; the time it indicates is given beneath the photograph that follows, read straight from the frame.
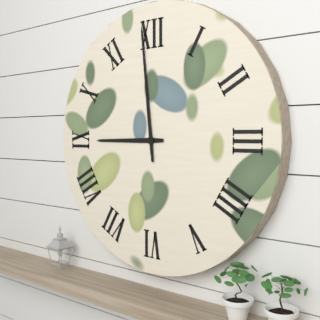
8:59
